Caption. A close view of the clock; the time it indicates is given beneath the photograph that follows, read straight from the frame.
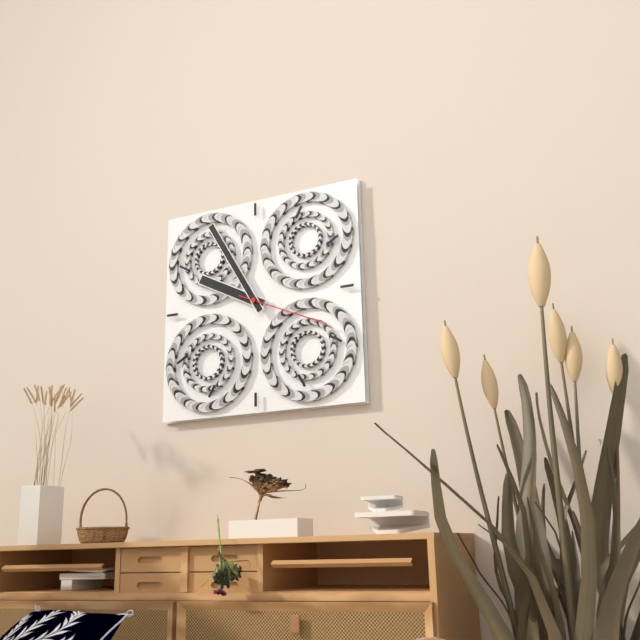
9:55:19
